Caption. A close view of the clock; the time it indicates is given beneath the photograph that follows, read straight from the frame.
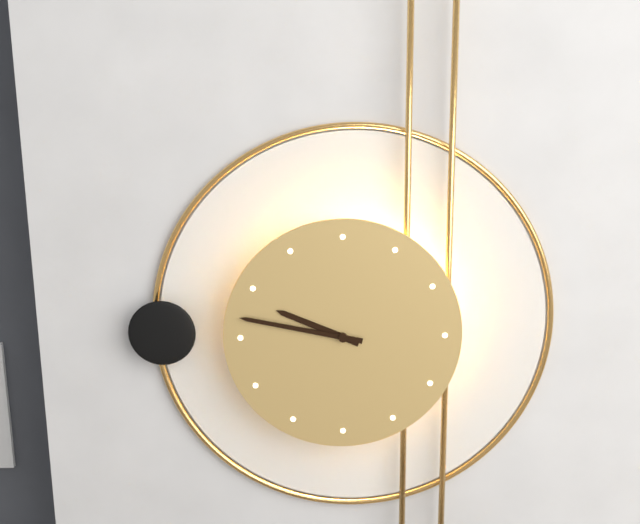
9:47
